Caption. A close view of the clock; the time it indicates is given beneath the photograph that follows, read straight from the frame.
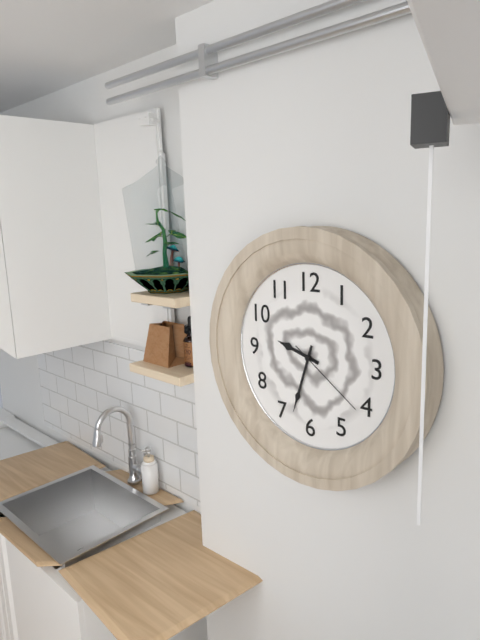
9:33:21
